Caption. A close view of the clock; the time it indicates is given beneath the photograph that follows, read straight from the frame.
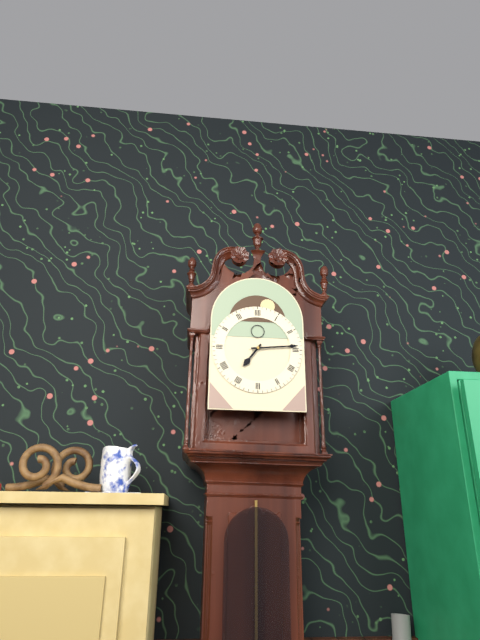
7:14
